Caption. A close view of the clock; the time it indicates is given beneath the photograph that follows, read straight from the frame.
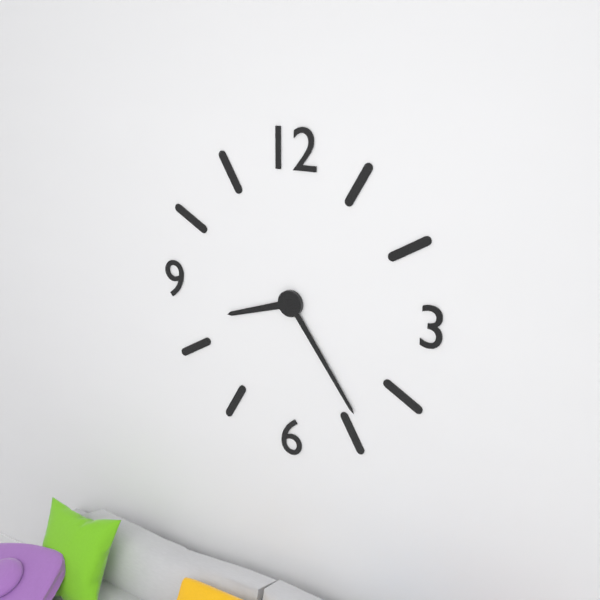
8:24
